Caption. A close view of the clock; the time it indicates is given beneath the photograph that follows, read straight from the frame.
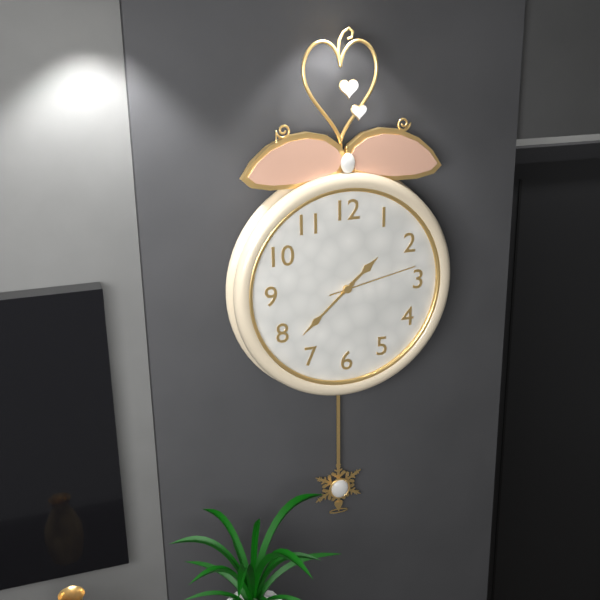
1:38:13
